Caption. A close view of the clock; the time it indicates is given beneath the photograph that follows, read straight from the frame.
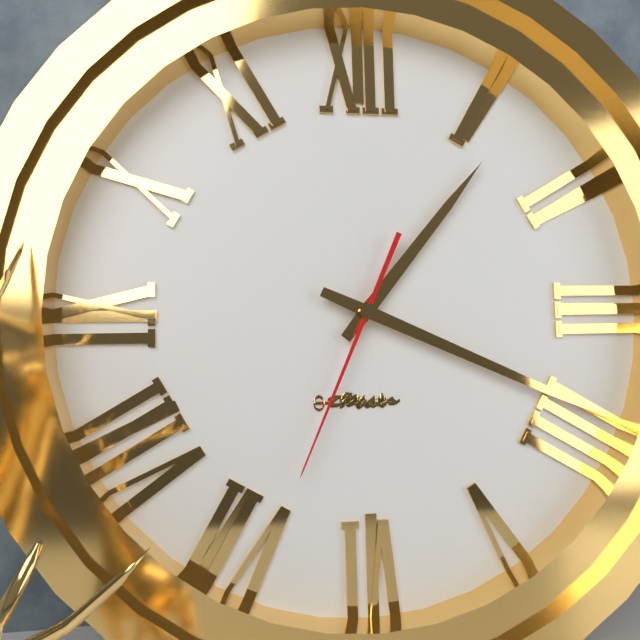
1:19:34
